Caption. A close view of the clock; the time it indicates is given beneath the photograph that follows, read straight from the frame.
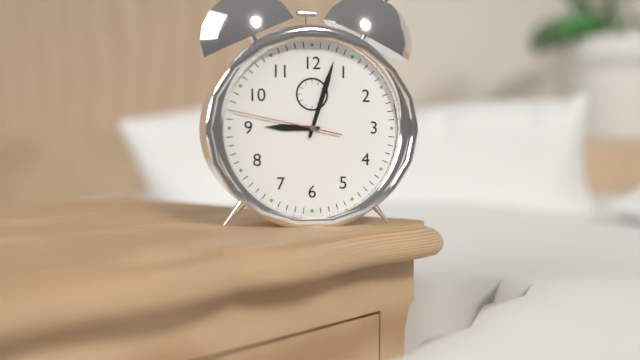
9:03:47
